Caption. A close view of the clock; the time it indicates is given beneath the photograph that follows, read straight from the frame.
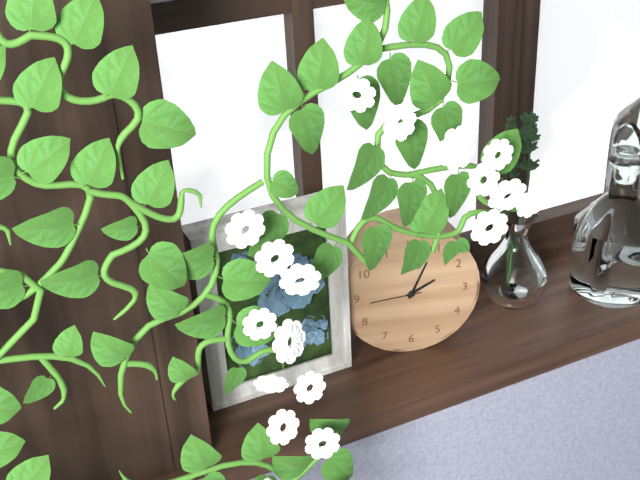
2:04:44
